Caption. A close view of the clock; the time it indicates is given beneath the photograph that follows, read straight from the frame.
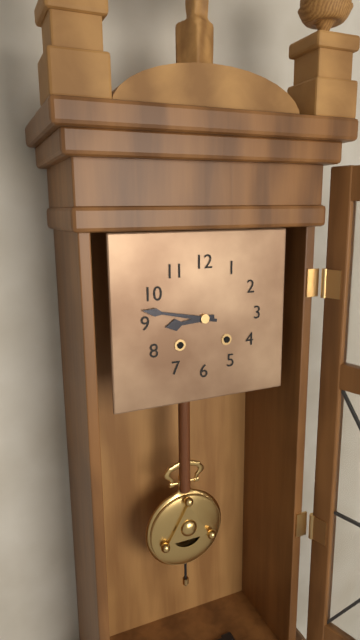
8:47
